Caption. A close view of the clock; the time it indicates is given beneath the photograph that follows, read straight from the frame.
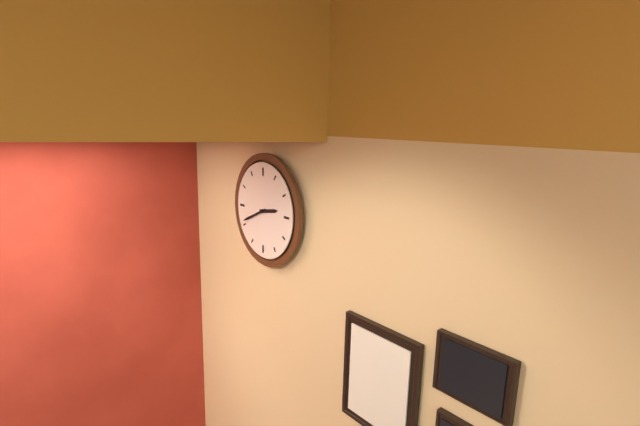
2:41
